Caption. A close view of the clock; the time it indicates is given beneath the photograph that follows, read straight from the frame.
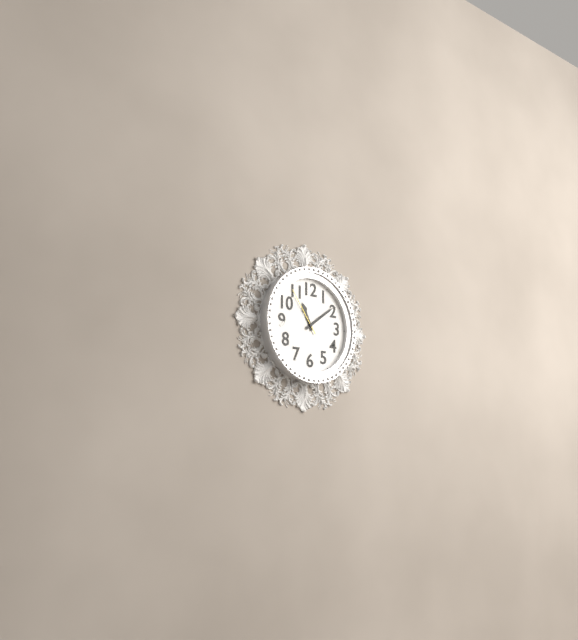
11:09:54
